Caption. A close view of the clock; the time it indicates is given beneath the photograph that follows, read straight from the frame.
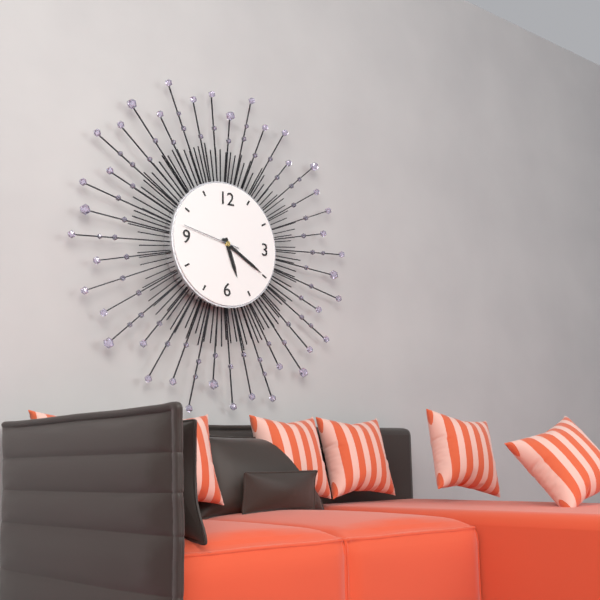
5:20:47
